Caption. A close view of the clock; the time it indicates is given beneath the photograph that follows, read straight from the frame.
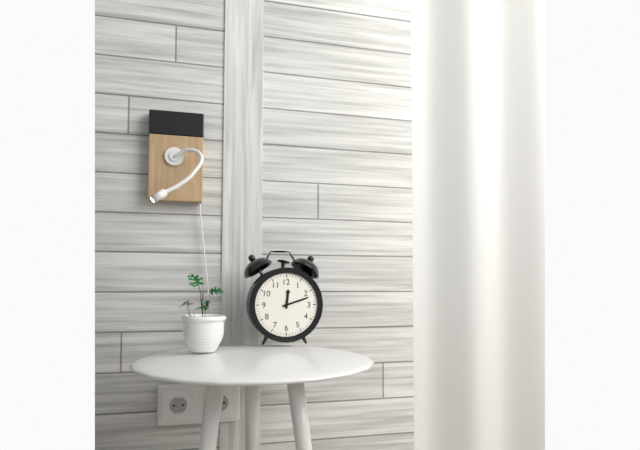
12:12
